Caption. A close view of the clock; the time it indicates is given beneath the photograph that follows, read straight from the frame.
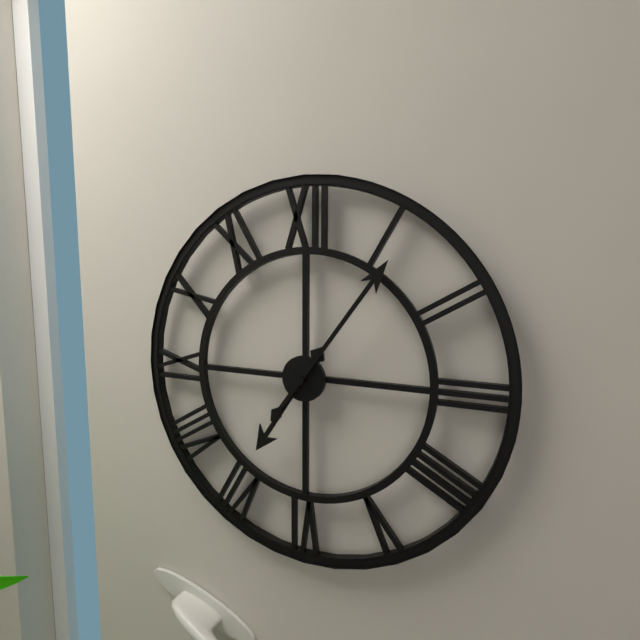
7:06
